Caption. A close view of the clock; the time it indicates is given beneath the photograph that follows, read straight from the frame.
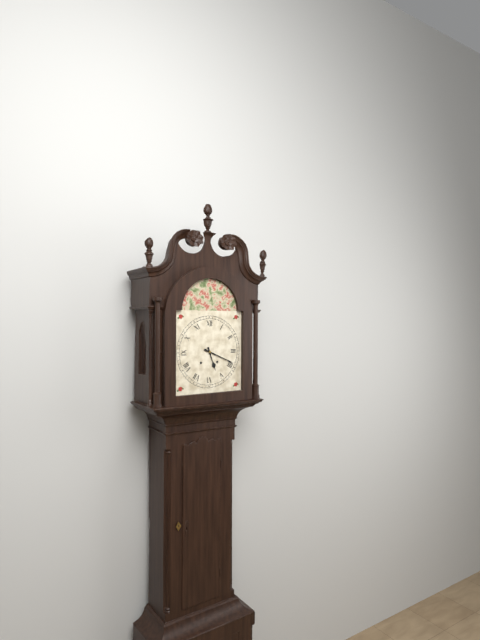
5:19
